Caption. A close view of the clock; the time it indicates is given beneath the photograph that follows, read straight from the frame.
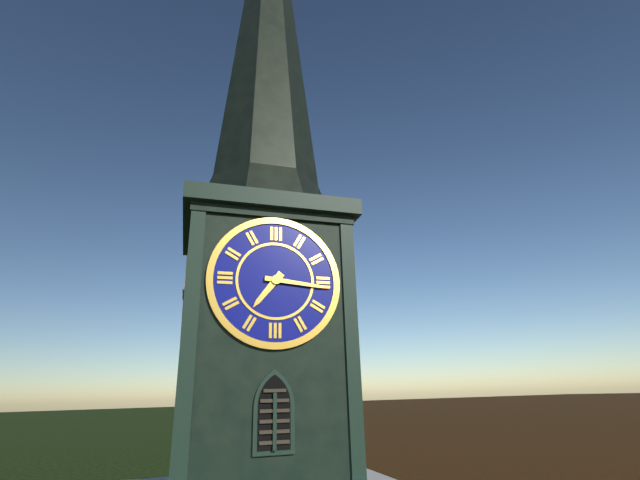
7:16
